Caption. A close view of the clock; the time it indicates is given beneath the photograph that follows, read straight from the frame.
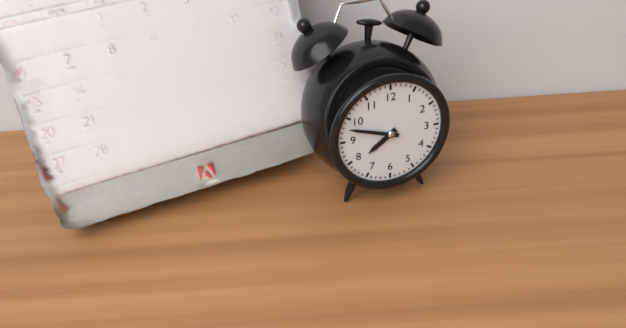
7:48
